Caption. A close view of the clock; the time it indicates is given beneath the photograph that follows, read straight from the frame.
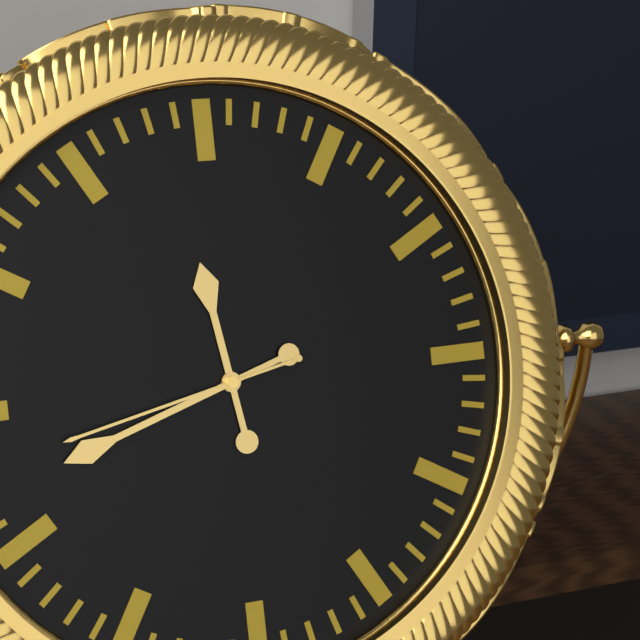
11:42:43
